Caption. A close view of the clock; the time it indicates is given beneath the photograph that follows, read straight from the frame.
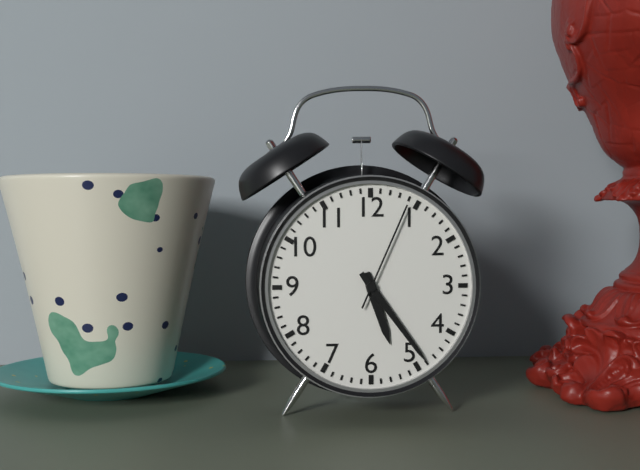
5:24:04
